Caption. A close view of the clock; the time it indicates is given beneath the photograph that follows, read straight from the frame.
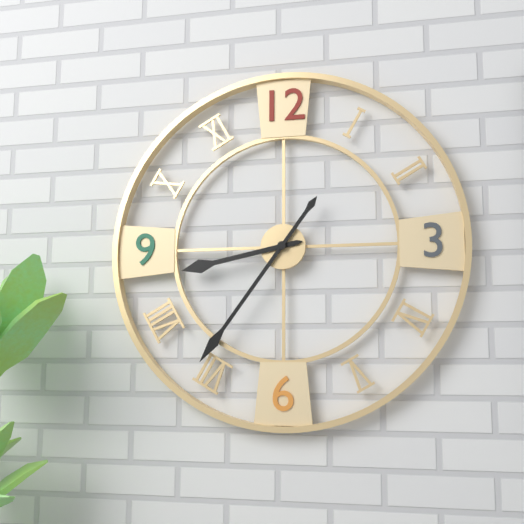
8:36
